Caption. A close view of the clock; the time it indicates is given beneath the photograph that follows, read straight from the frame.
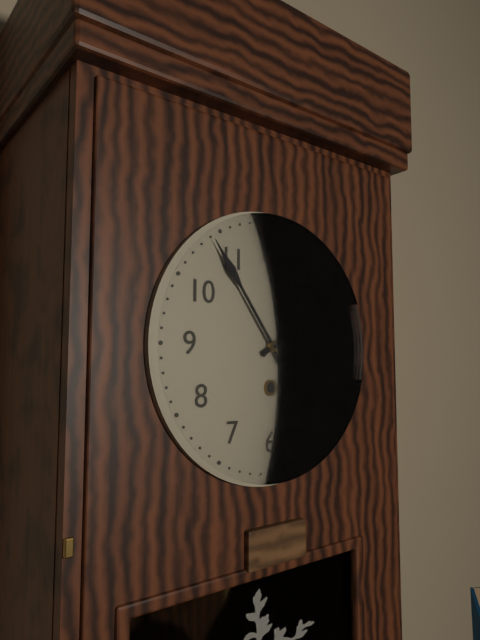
1:54
